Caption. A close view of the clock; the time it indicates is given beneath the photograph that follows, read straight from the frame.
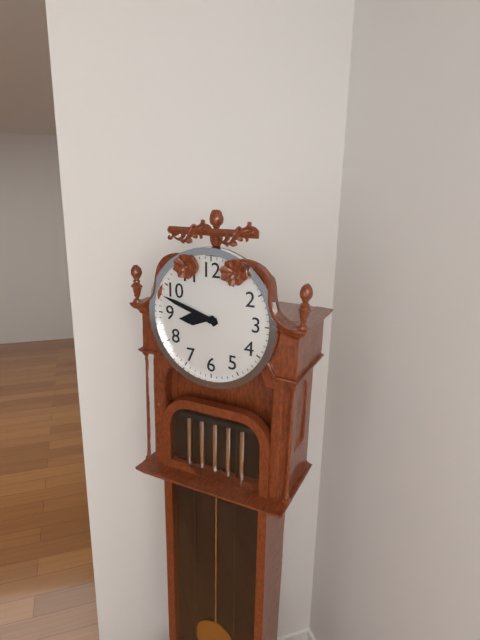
8:48
